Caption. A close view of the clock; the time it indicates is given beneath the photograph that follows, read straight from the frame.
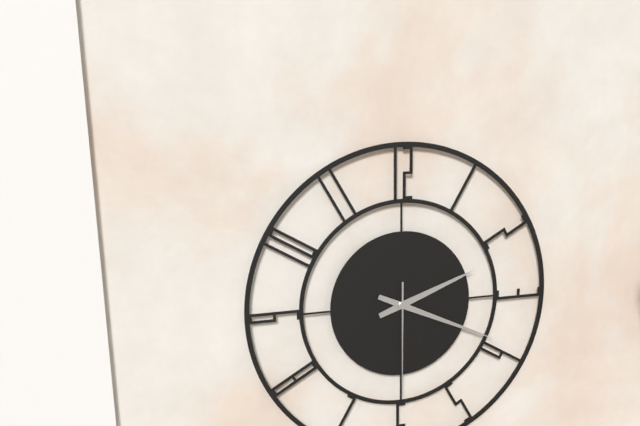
2:19:30
